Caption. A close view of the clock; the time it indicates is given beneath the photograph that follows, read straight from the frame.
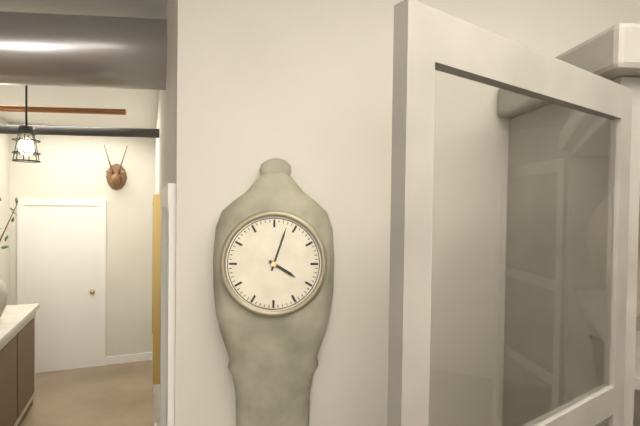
4:03
